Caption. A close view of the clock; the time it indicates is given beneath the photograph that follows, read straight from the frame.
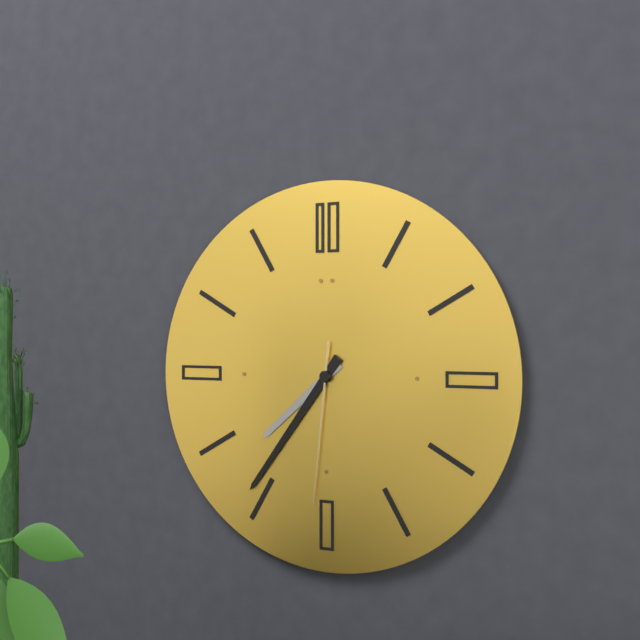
7:36:31
